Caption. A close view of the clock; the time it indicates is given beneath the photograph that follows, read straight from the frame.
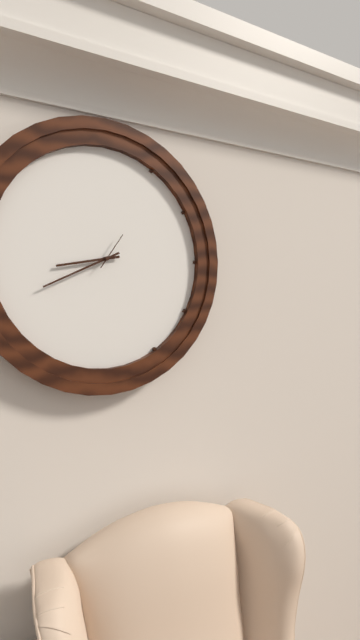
8:41
